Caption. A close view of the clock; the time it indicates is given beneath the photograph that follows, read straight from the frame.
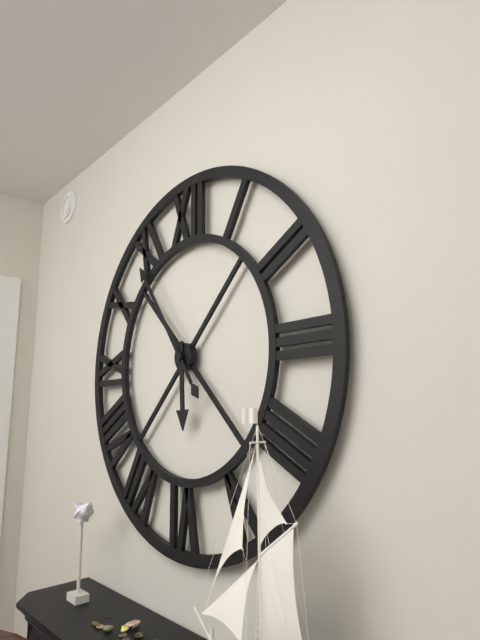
5:54
